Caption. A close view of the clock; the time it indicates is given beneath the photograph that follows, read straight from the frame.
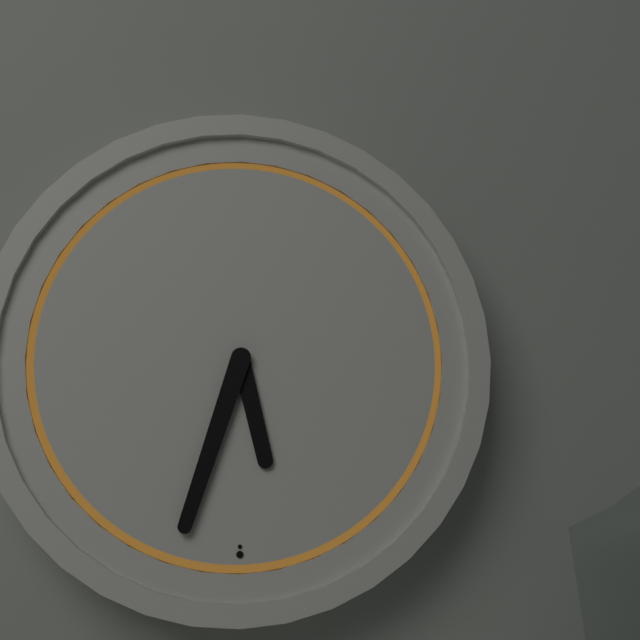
5:33
